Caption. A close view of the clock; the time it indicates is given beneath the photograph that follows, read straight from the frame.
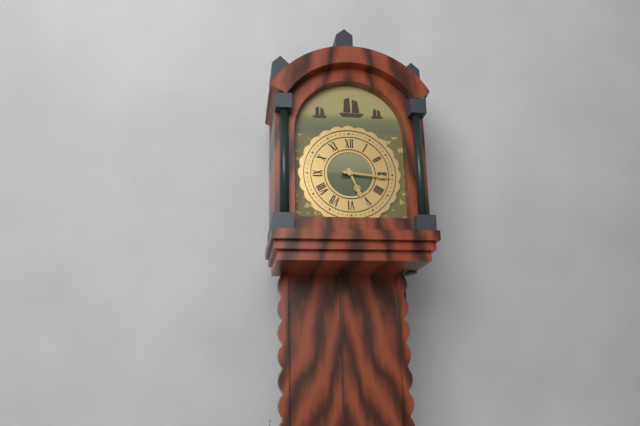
5:16
